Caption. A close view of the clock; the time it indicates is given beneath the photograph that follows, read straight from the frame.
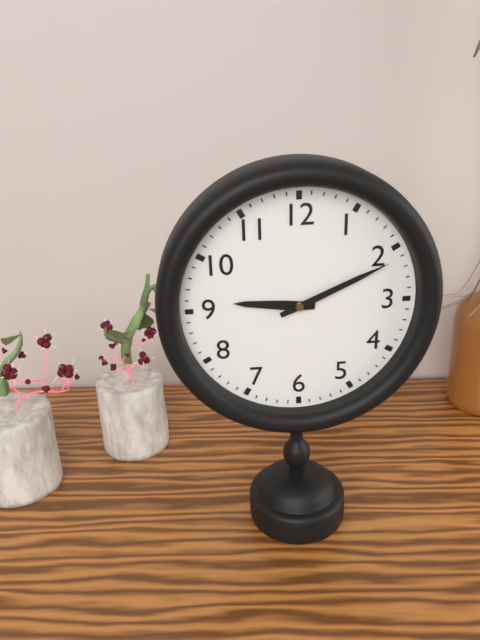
9:11
